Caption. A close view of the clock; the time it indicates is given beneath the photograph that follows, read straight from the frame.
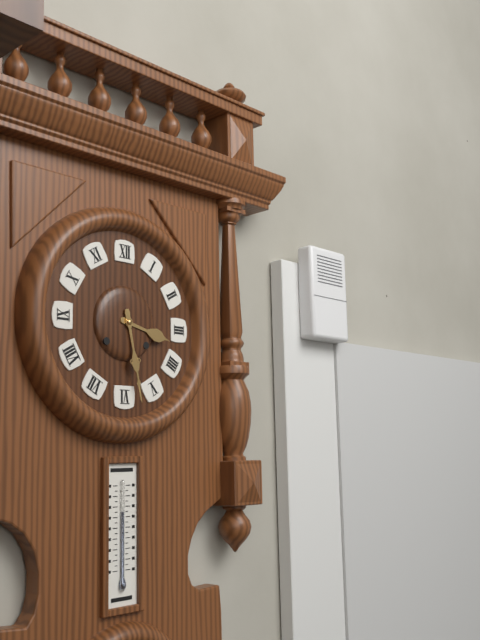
3:28
